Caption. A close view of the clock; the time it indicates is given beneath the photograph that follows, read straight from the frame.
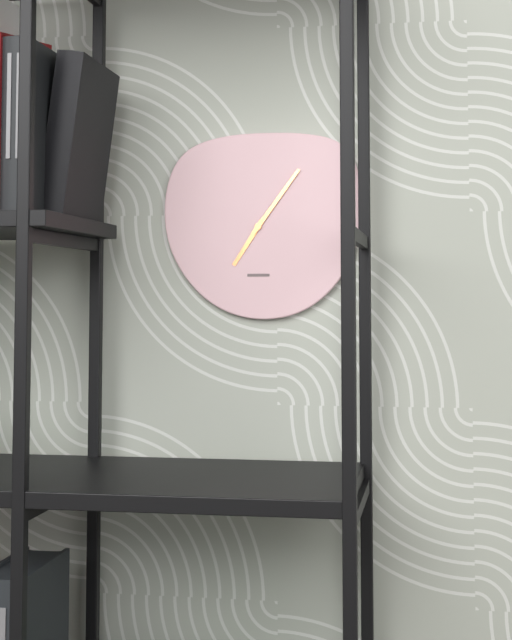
7:06
